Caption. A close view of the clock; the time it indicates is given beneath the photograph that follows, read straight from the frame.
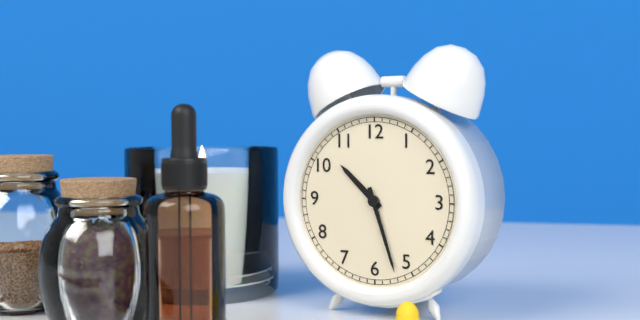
10:27
